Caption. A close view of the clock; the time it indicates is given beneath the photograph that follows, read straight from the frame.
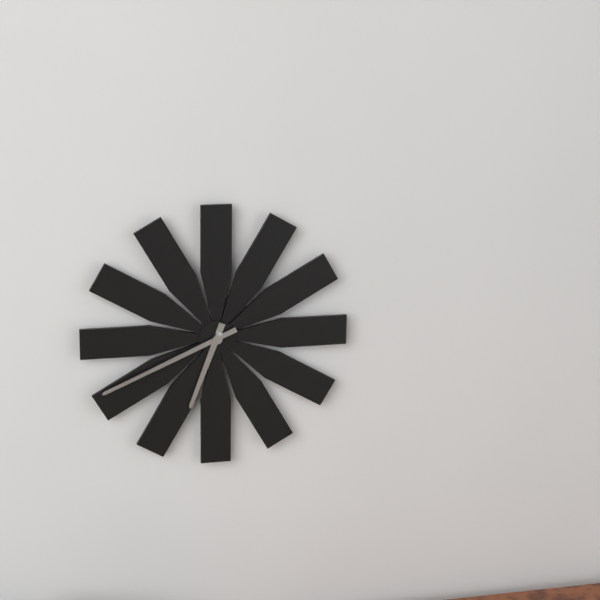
6:41
